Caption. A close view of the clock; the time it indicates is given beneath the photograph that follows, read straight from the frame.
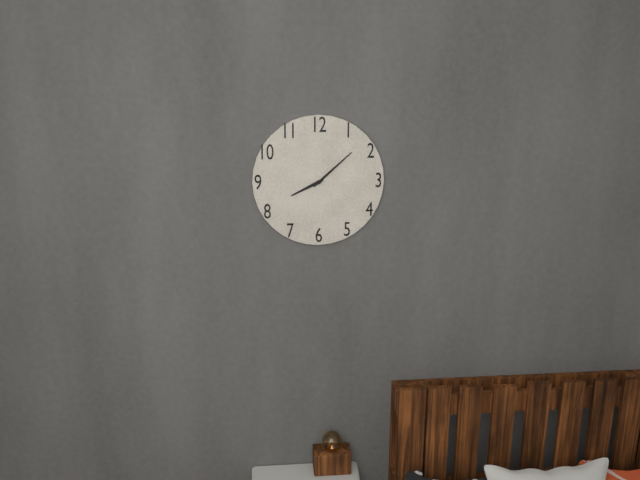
8:08
